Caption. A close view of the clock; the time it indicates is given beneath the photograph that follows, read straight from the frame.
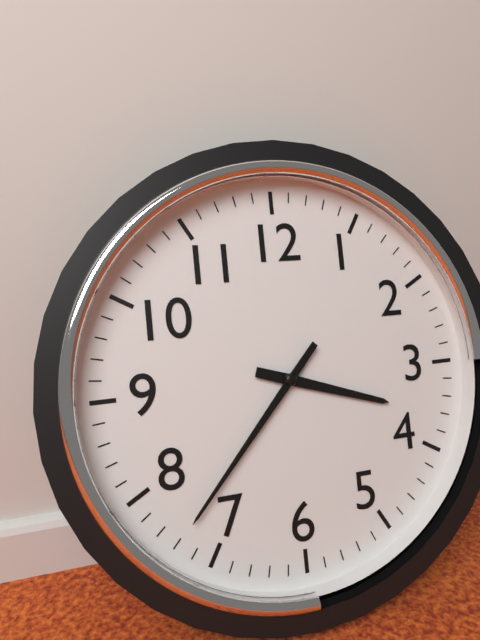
3:37
